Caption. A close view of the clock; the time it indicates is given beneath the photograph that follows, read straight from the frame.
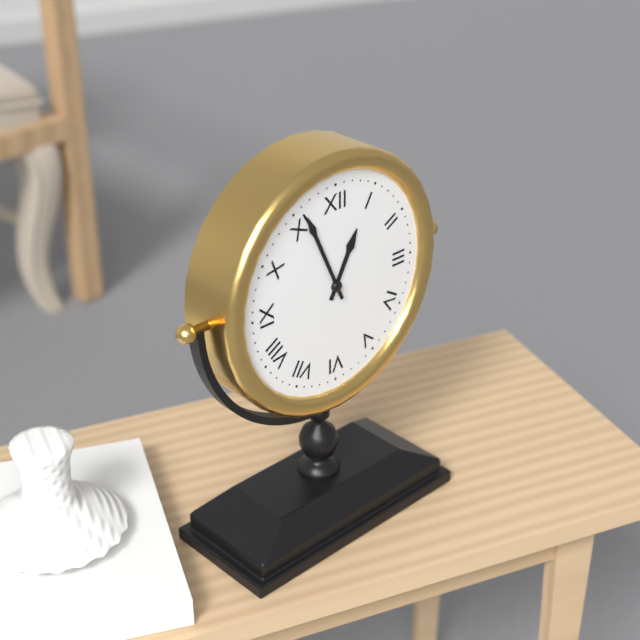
12:56
